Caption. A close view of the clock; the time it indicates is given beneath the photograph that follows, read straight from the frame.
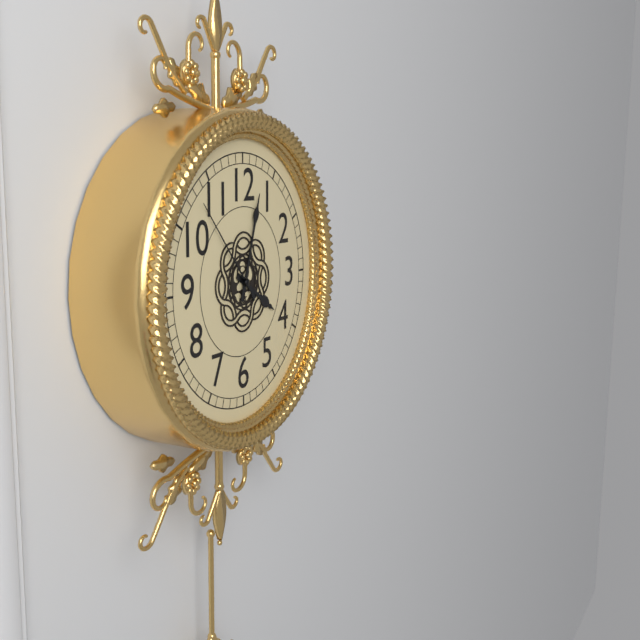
4:03:53
